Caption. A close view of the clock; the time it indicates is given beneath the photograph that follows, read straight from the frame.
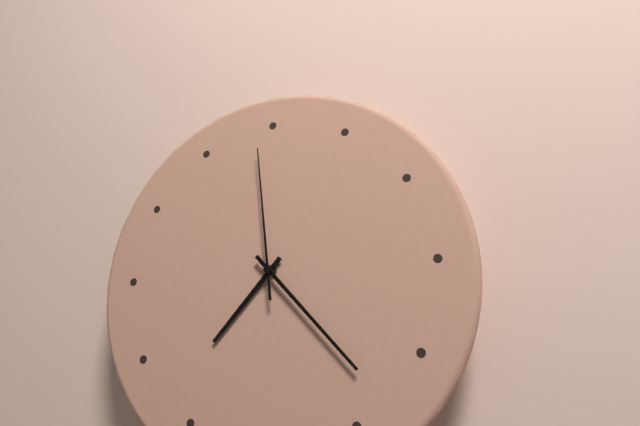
7:23:59
